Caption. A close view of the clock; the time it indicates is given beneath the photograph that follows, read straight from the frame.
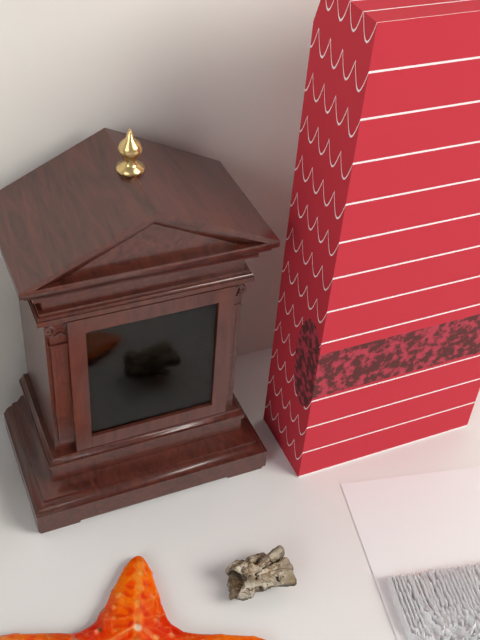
4:55:16
